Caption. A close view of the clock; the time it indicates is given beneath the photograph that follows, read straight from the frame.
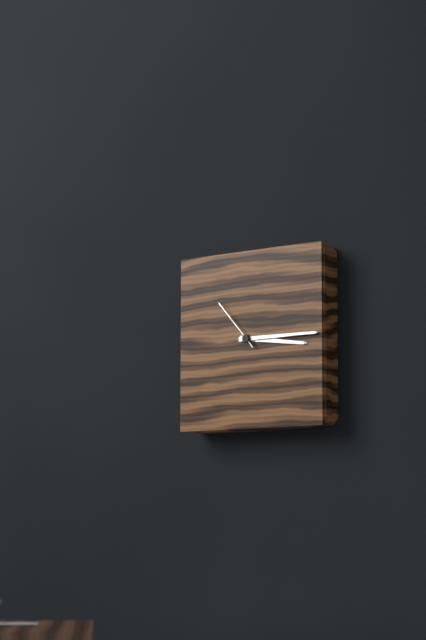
3:15:53
